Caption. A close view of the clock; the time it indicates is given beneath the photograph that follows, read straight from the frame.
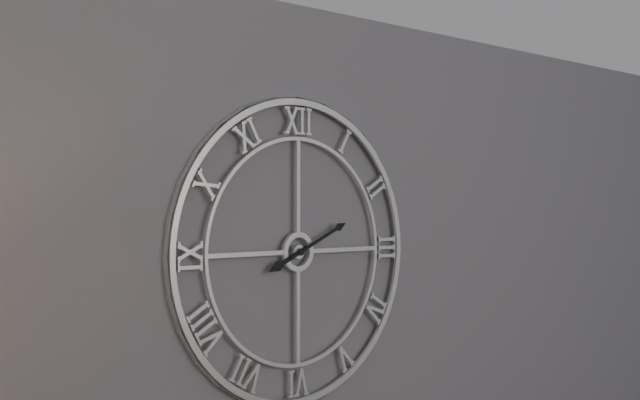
8:11
